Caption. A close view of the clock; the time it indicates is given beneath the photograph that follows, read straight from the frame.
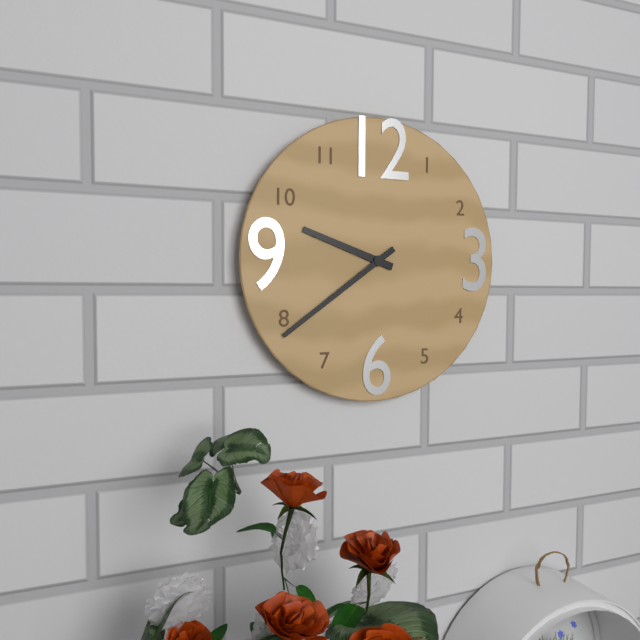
9:39
